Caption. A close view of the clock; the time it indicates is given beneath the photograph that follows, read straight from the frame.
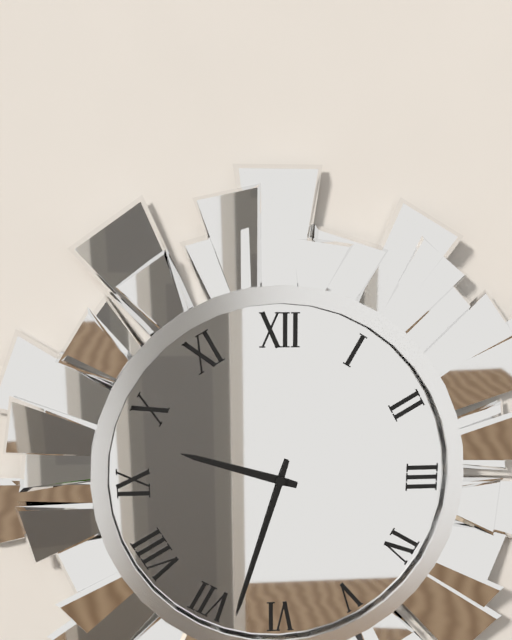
9:33
